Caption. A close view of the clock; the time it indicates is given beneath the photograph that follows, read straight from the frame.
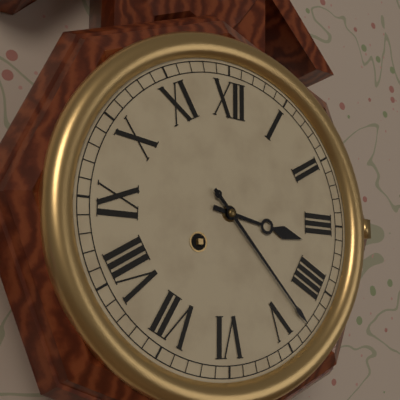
3:23
